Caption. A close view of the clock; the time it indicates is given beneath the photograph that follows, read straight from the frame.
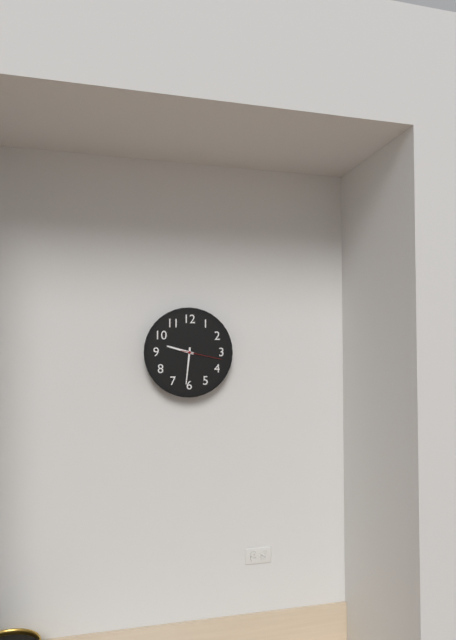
9:31
